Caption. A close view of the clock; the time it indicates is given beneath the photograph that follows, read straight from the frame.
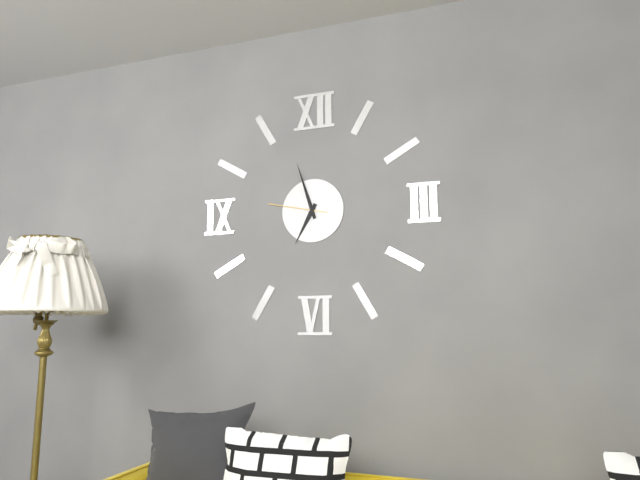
6:57:47
